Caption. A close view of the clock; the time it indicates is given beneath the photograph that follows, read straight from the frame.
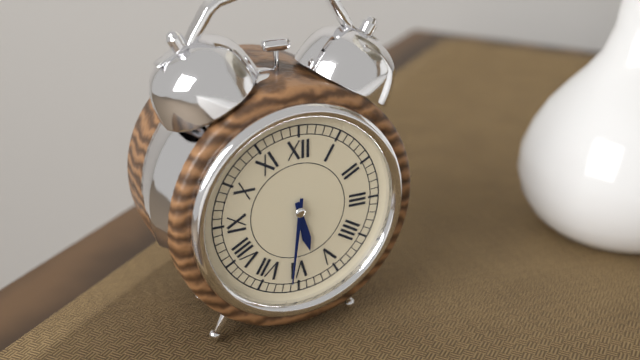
5:31
